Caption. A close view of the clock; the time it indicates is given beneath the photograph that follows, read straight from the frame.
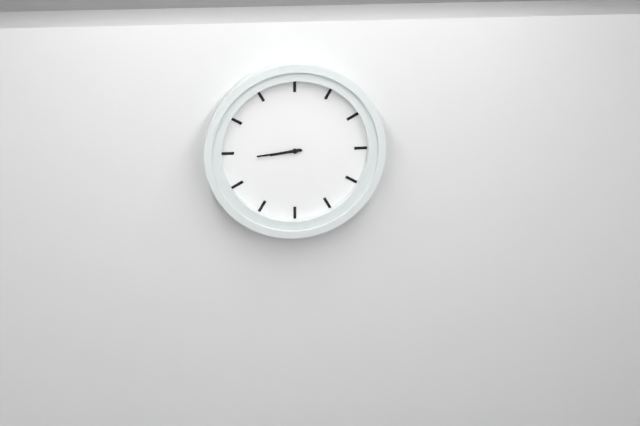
8:44
